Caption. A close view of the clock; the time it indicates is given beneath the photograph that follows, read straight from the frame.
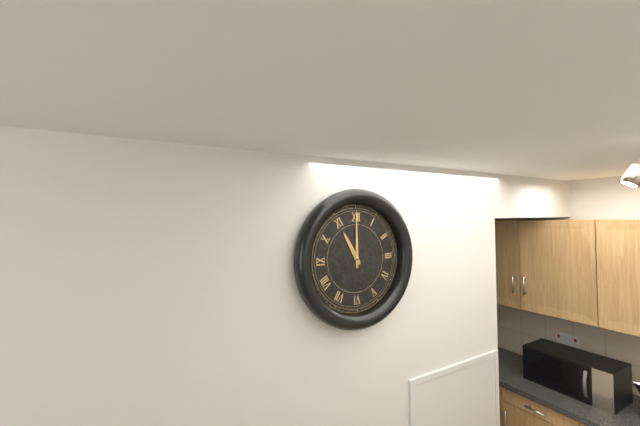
11:00
